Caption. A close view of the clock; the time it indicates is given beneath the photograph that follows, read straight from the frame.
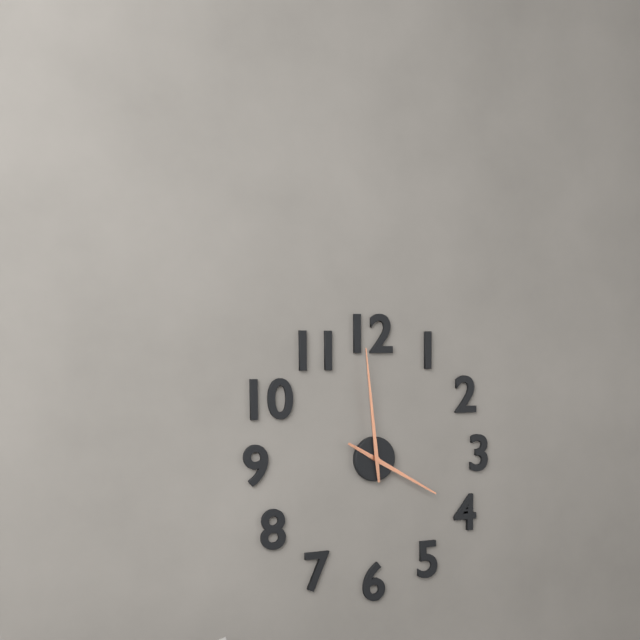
3:59
